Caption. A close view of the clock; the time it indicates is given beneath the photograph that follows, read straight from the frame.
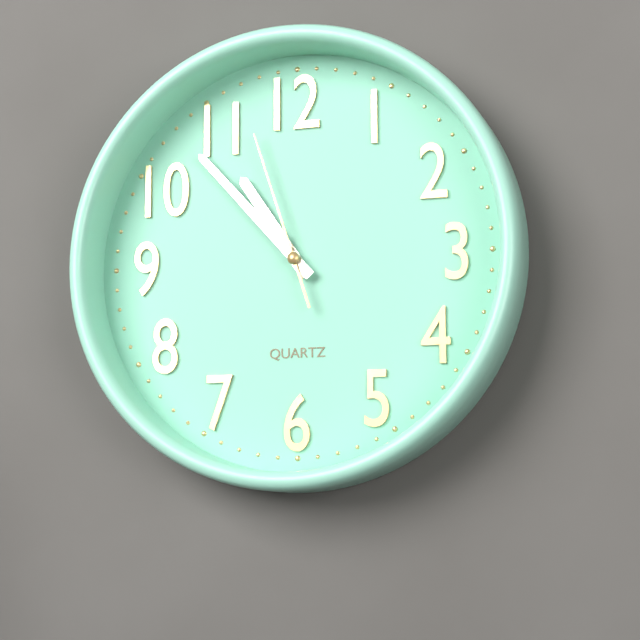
10:53:57
